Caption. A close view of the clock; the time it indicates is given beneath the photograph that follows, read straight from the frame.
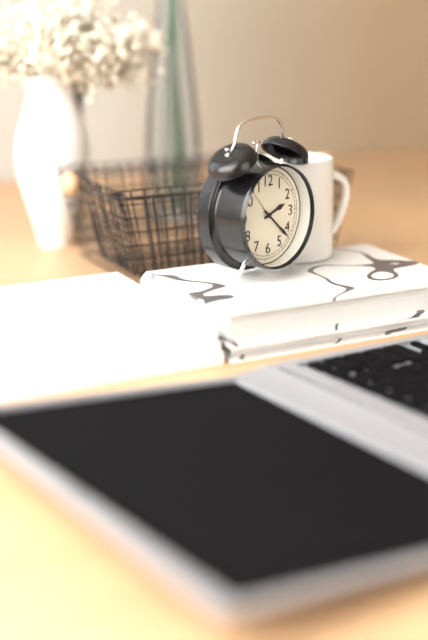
2:22
